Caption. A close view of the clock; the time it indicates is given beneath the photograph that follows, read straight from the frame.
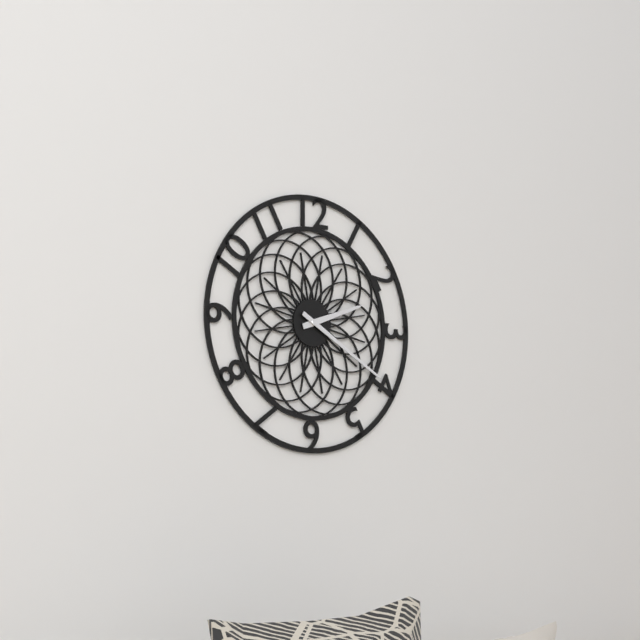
2:20
